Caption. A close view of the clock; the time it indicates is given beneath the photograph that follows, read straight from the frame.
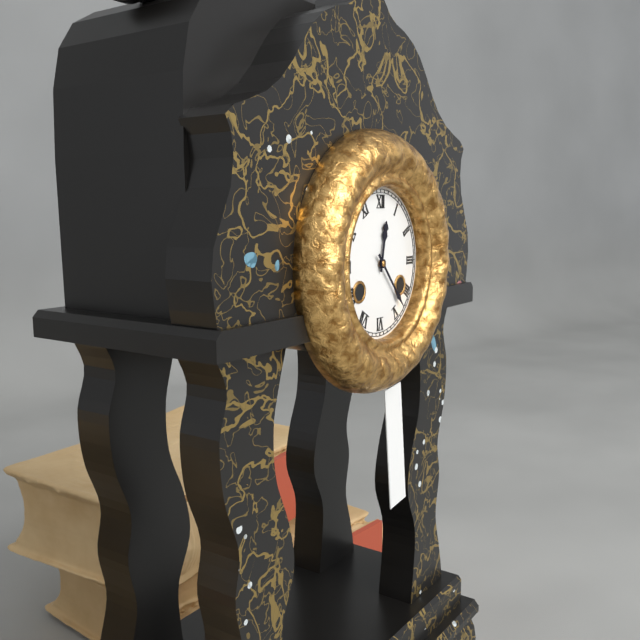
12:23
